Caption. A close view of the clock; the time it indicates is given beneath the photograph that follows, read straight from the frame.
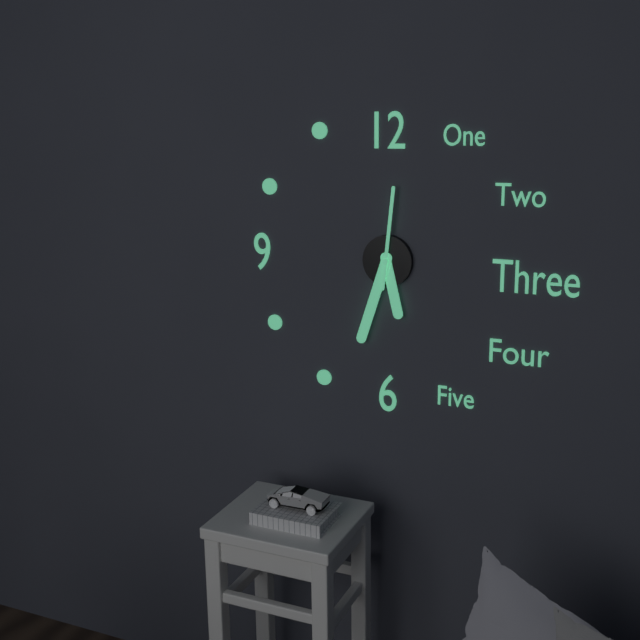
5:33:01
